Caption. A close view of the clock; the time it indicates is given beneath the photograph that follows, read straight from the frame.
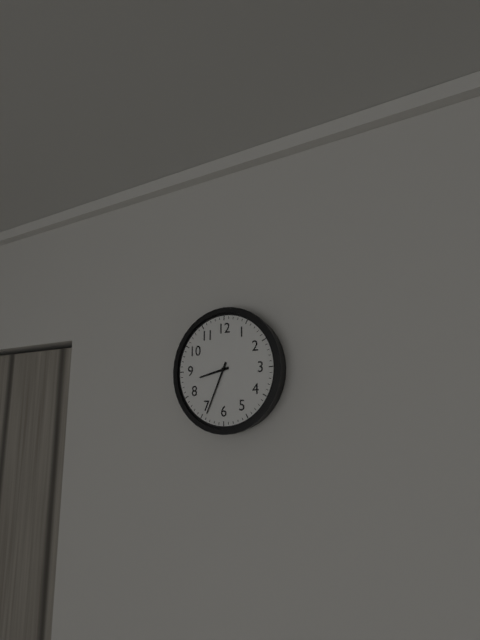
8:34
